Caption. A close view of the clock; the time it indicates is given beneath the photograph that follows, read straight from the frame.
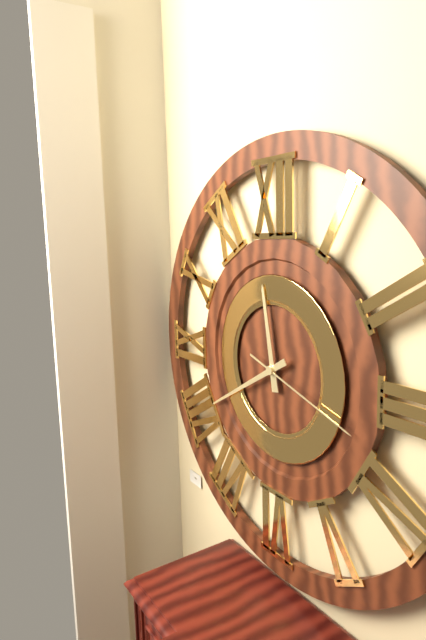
11:40:18
